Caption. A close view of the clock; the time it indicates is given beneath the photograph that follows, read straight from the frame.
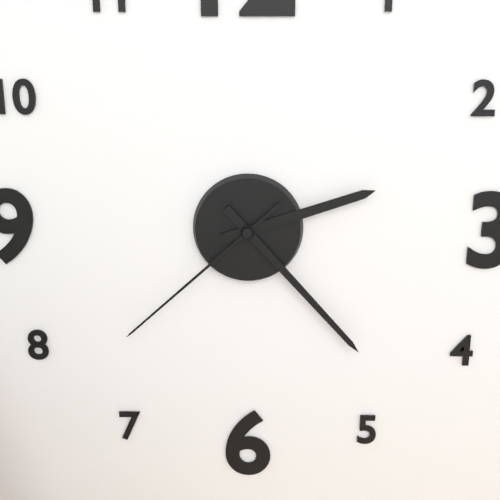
2:23:38
